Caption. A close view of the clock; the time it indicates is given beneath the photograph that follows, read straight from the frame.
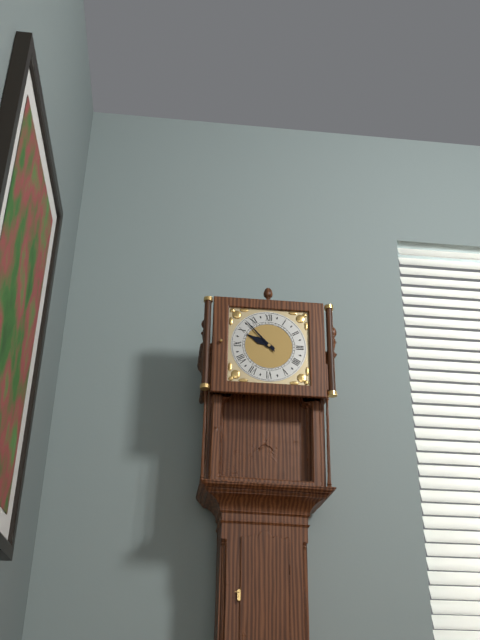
9:53
